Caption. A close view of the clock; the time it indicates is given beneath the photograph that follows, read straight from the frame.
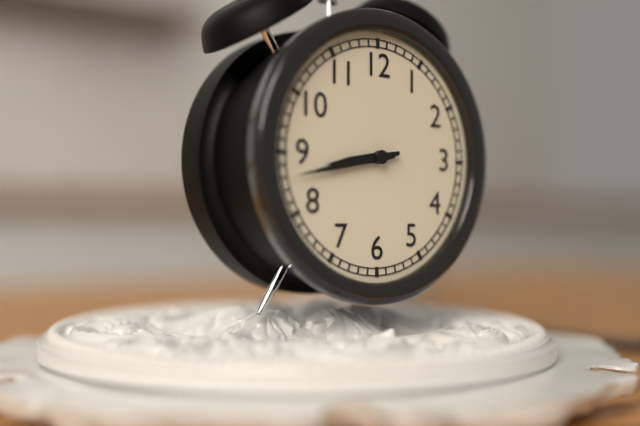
8:43
